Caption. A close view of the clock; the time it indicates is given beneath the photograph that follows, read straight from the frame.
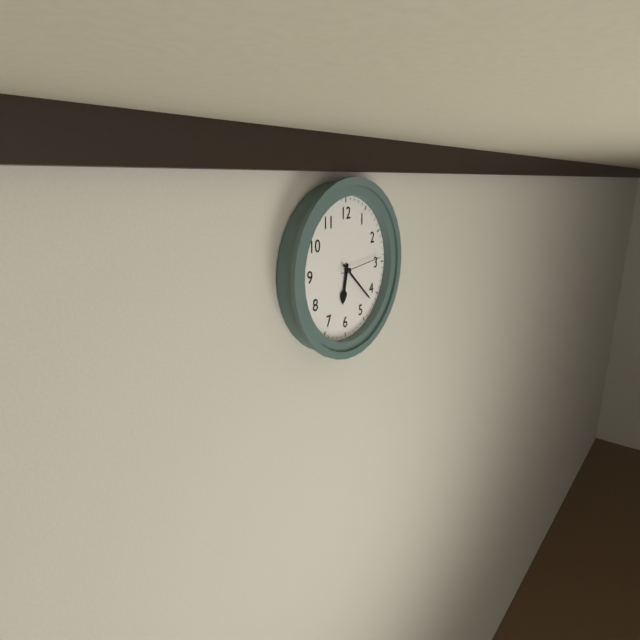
6:22
